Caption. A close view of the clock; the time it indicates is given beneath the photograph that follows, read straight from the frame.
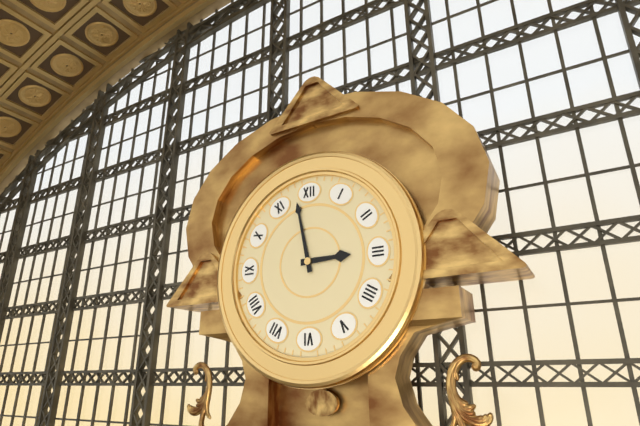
2:58
